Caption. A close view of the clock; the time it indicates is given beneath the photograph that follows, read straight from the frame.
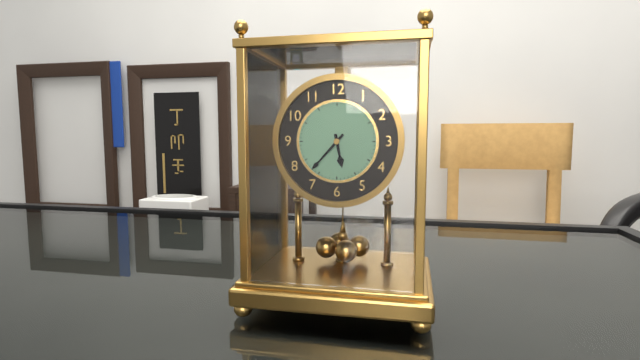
5:37
